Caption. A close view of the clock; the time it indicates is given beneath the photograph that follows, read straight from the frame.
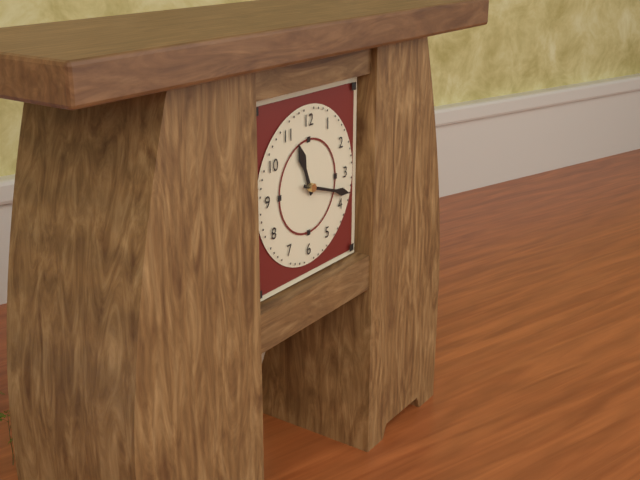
11:18
